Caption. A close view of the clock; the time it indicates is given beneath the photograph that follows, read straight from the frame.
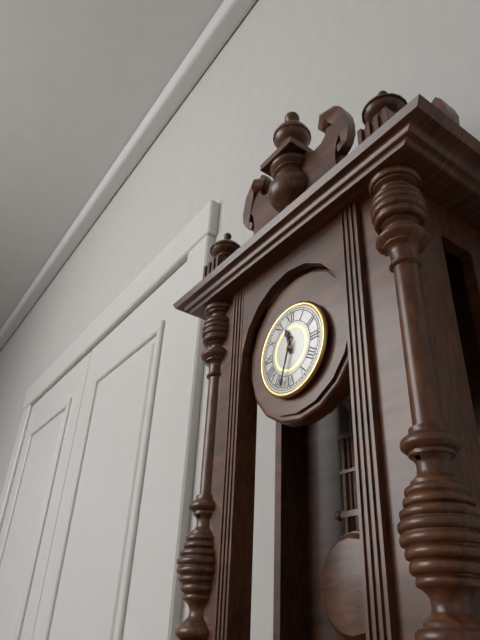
11:33
